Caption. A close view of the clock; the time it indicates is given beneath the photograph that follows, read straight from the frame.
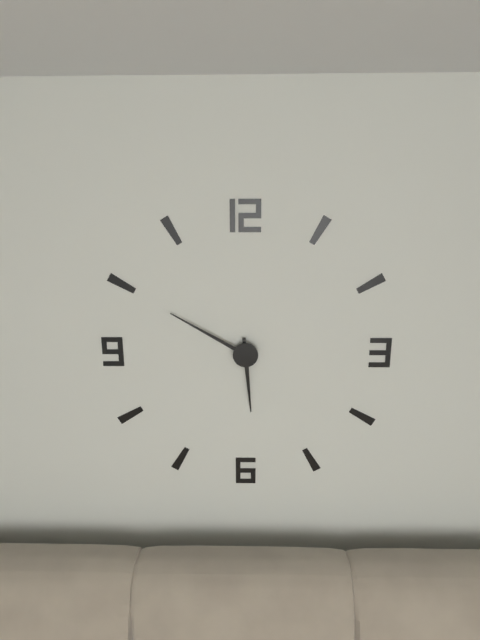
5:50
